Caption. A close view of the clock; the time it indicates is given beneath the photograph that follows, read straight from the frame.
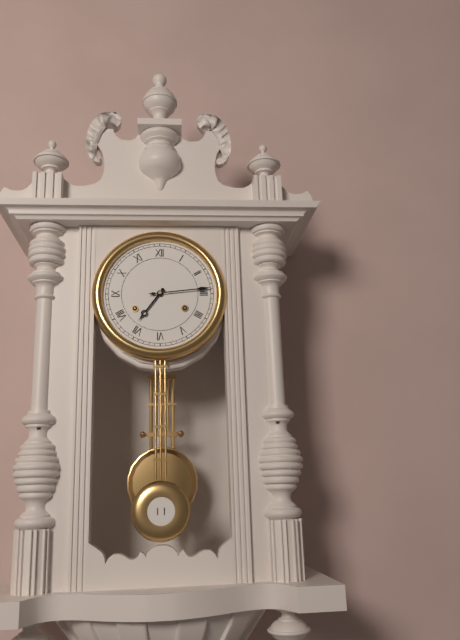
7:14
